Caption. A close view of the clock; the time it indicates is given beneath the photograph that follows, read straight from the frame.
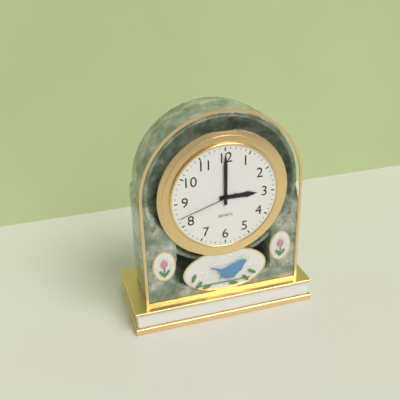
3:00:42
